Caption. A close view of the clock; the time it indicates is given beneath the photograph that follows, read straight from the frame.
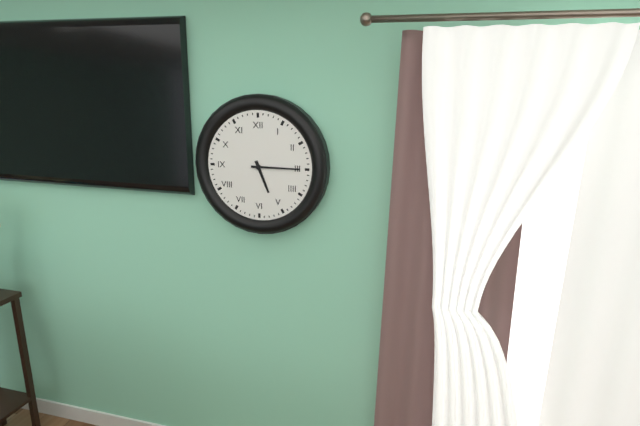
5:15
